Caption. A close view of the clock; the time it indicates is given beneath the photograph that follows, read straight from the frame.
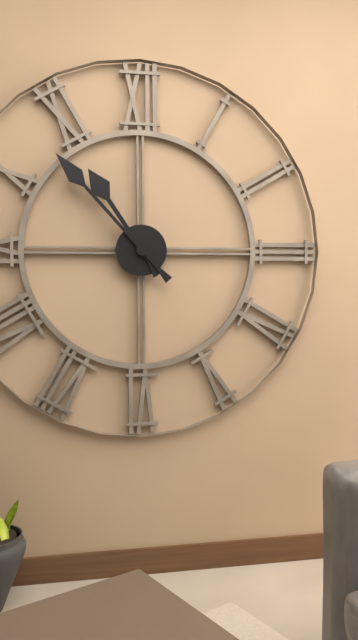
10:53
